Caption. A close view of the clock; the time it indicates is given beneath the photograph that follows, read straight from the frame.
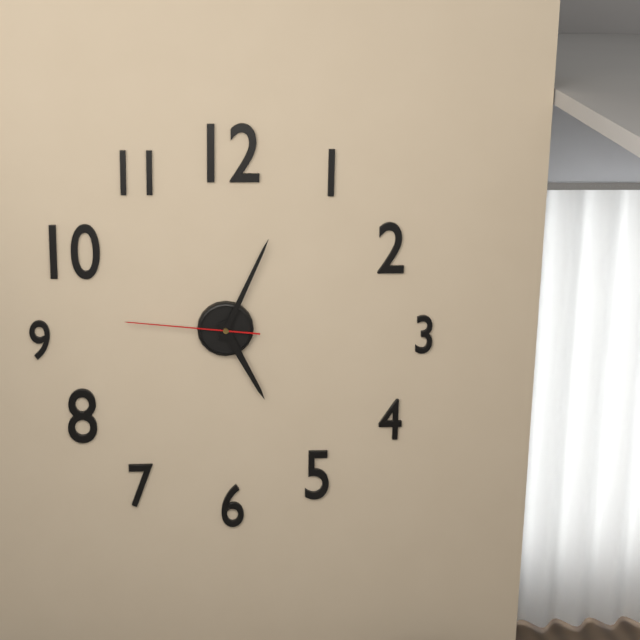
5:04:46
